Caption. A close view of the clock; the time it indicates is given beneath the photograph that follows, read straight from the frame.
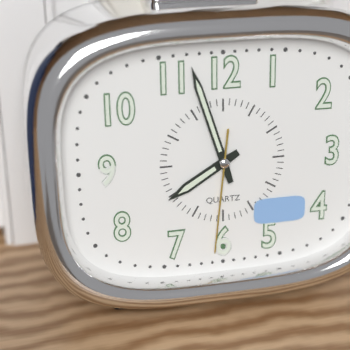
7:57:31
